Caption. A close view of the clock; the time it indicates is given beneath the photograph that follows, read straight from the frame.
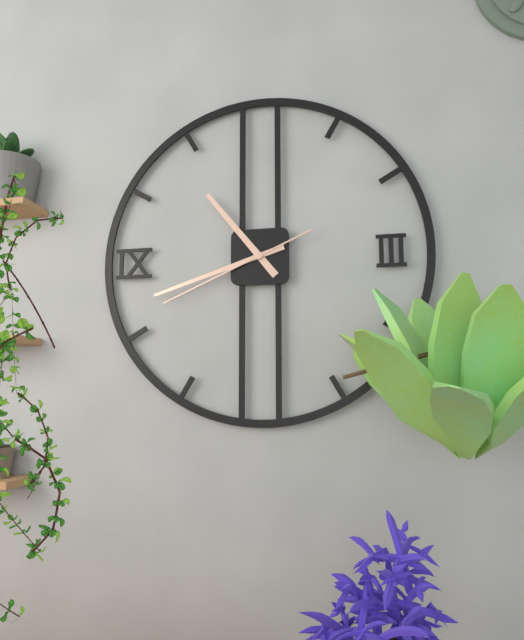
10:42:41
